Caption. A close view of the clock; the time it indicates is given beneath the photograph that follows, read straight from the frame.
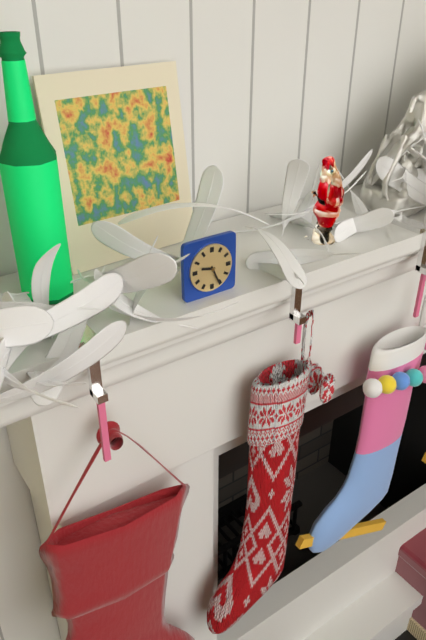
9:26
